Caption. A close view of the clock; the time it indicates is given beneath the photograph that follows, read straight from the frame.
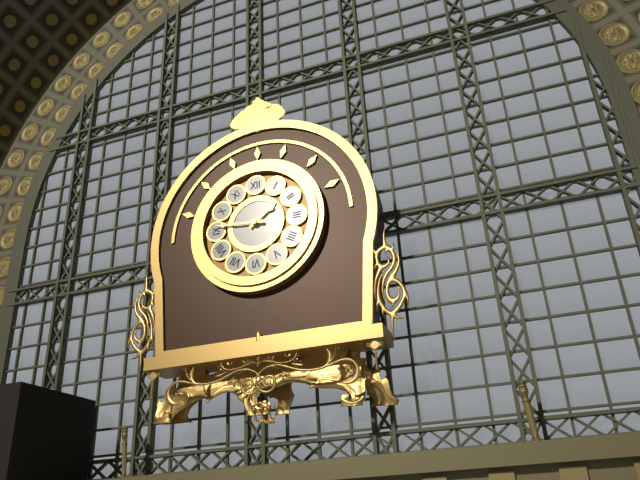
1:46
